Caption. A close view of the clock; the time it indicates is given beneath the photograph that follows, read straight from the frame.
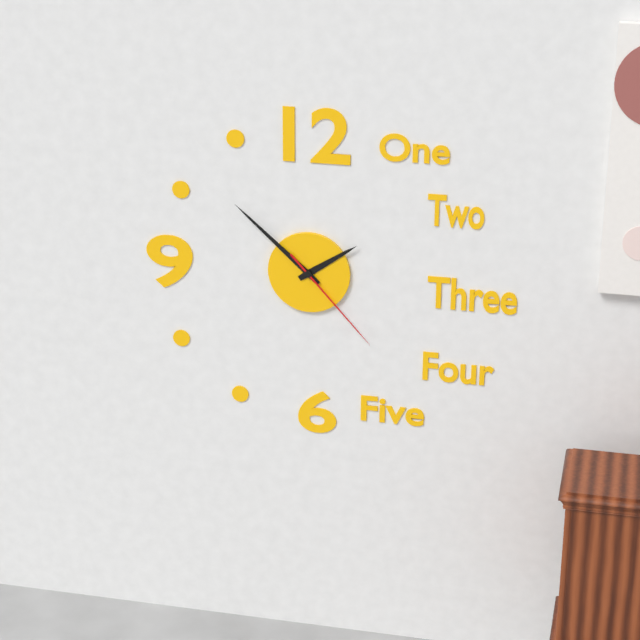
1:52:23
